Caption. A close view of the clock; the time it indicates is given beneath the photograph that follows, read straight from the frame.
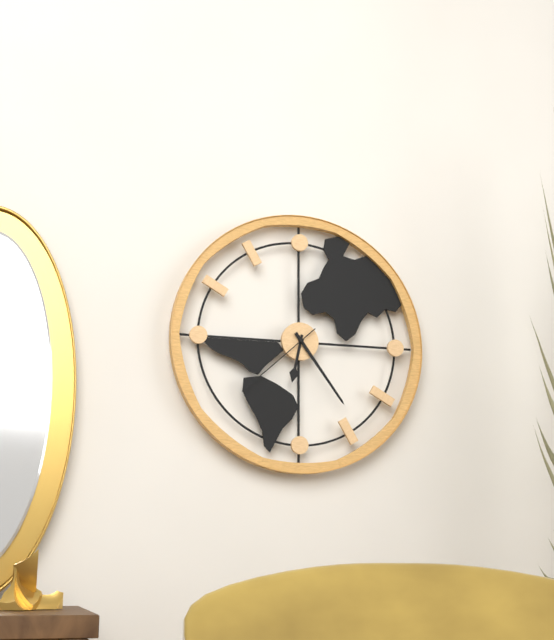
6:24:38
